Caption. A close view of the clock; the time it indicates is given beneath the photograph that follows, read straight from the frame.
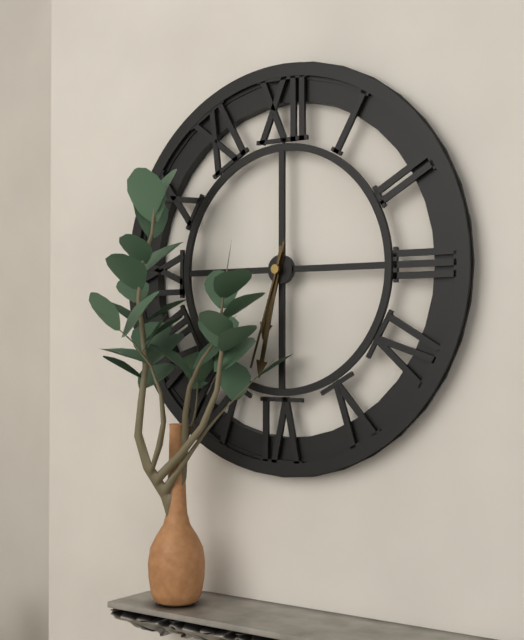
6:32:33
